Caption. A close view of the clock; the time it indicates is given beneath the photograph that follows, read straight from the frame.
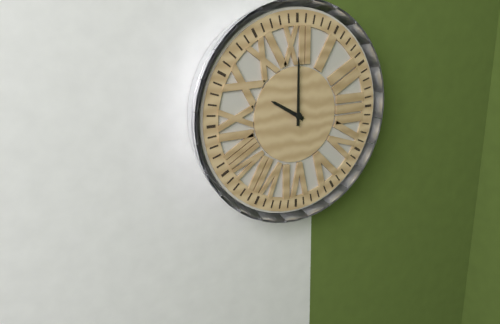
10:00
